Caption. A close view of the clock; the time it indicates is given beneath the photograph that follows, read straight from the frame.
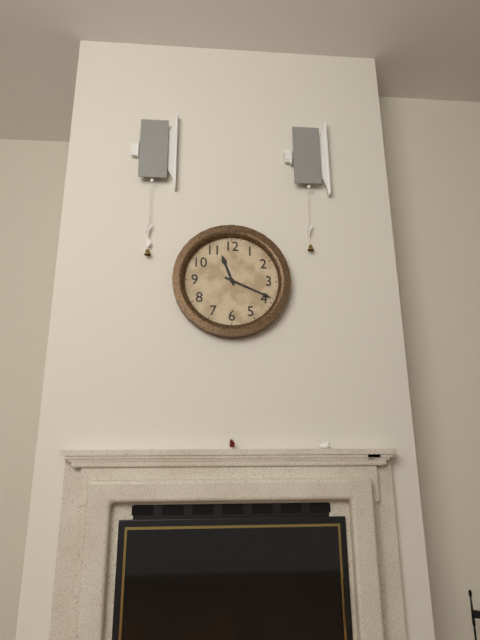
11:19
